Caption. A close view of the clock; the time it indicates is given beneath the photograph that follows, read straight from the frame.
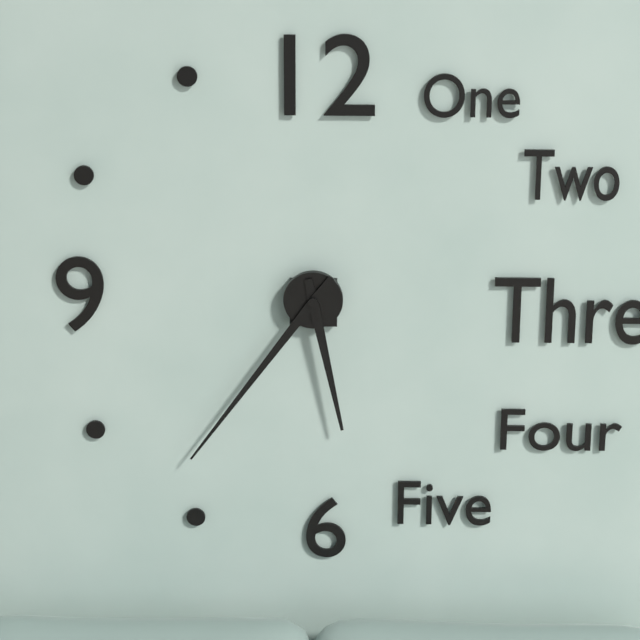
5:36
